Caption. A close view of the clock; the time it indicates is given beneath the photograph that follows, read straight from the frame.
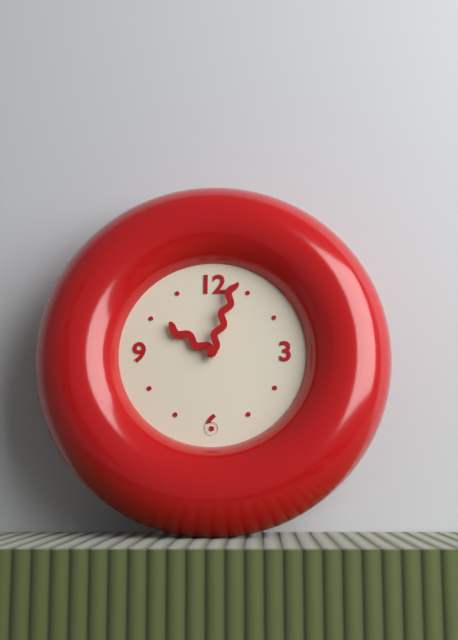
10:03
